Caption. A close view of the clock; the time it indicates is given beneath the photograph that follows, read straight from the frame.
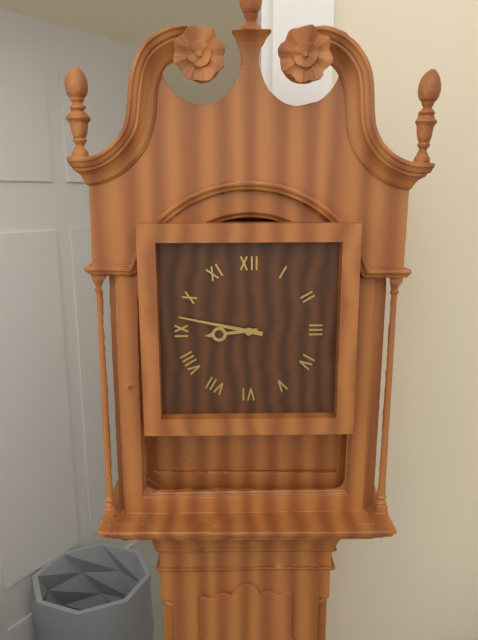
8:47
